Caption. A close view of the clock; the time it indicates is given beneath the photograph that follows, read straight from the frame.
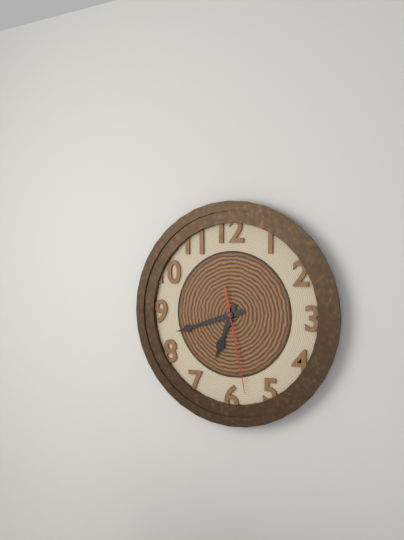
6:42:28
